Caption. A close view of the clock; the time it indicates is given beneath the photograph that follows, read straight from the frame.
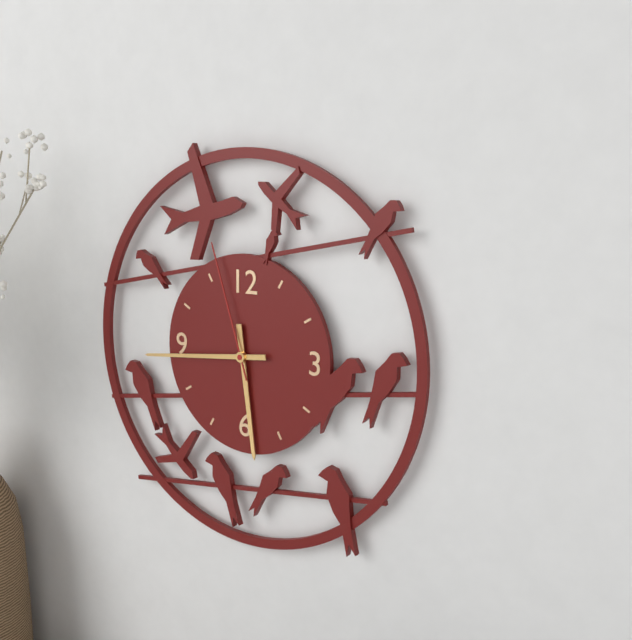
5:44:57
